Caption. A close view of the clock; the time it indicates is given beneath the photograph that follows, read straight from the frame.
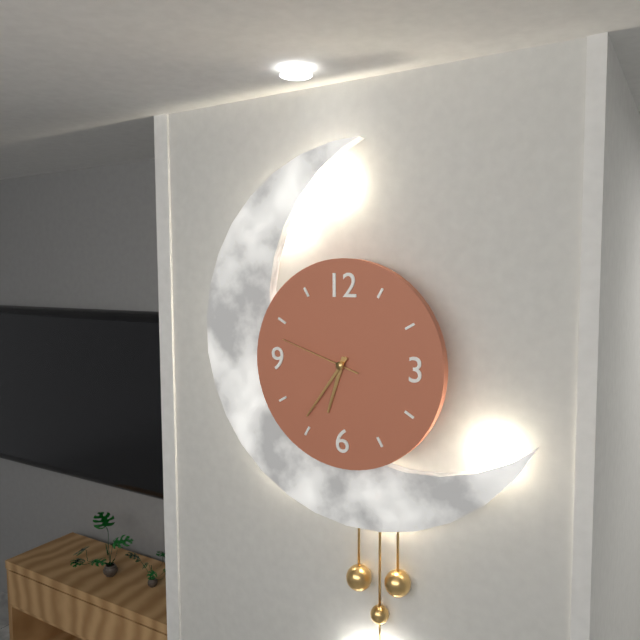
6:36:48
